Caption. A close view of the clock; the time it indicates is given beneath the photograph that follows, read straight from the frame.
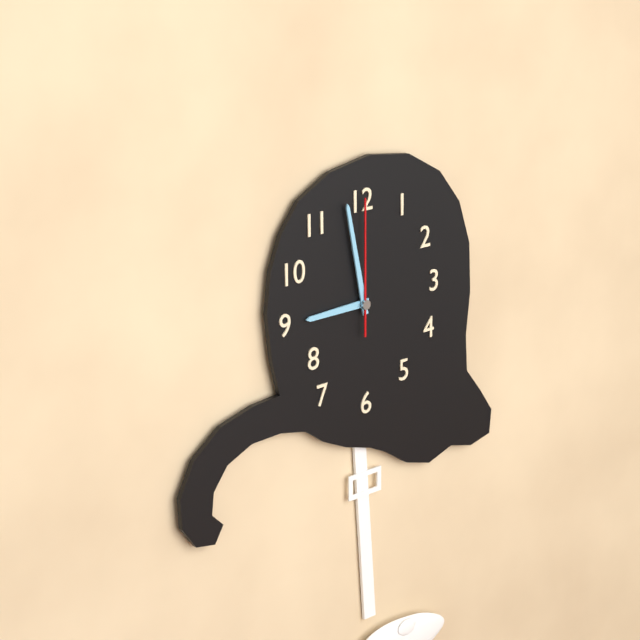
8:58:00
